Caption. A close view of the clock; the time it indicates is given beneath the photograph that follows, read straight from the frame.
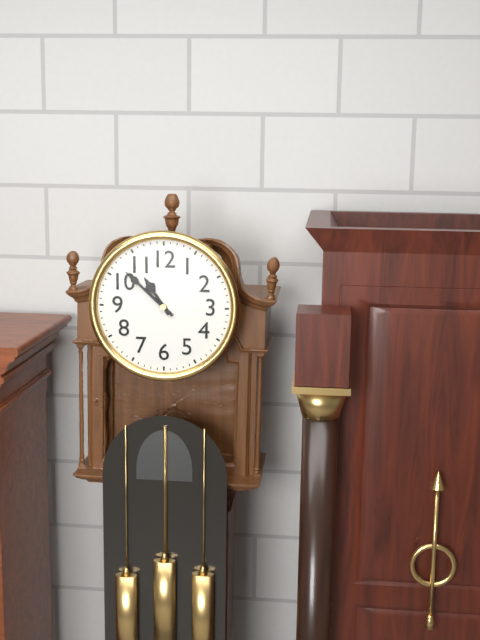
10:52
